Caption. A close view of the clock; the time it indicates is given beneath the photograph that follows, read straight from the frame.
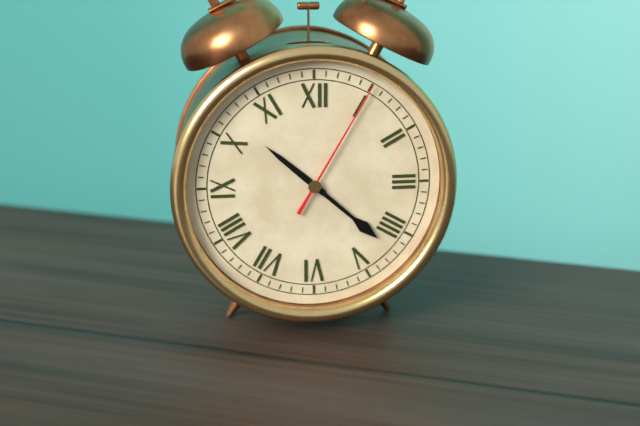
10:22:05
